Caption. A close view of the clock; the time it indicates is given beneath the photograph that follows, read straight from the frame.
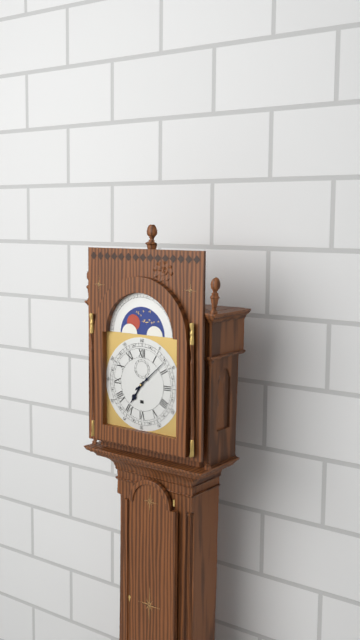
7:08
